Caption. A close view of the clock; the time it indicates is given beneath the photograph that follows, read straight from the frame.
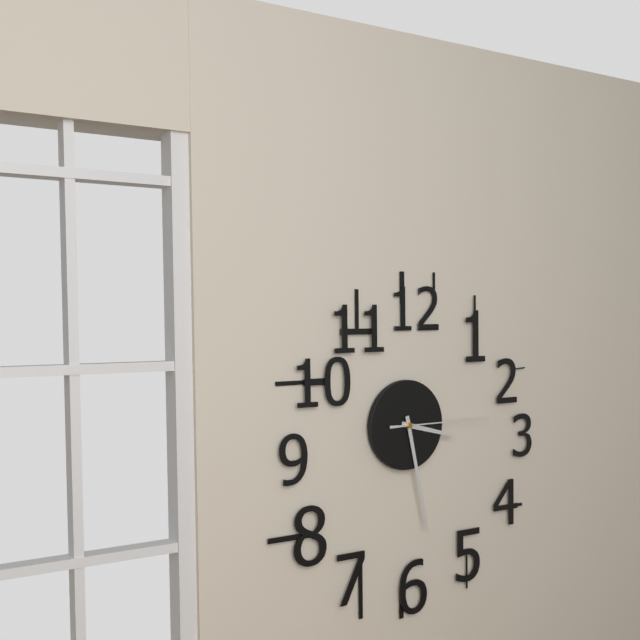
3:28:15
